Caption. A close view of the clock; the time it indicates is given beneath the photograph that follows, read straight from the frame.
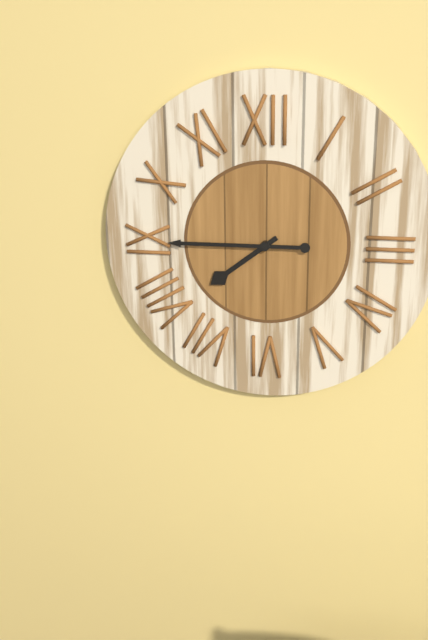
7:45
